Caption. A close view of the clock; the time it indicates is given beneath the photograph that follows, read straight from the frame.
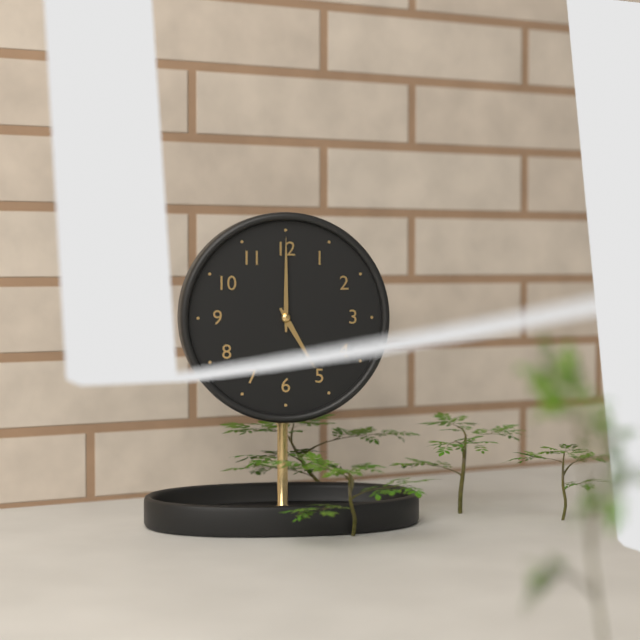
5:00
